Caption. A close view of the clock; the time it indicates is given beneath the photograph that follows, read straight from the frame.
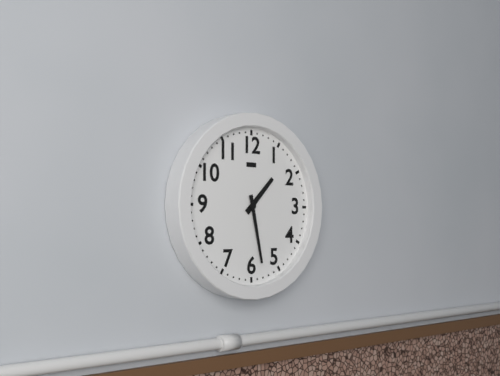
1:28
